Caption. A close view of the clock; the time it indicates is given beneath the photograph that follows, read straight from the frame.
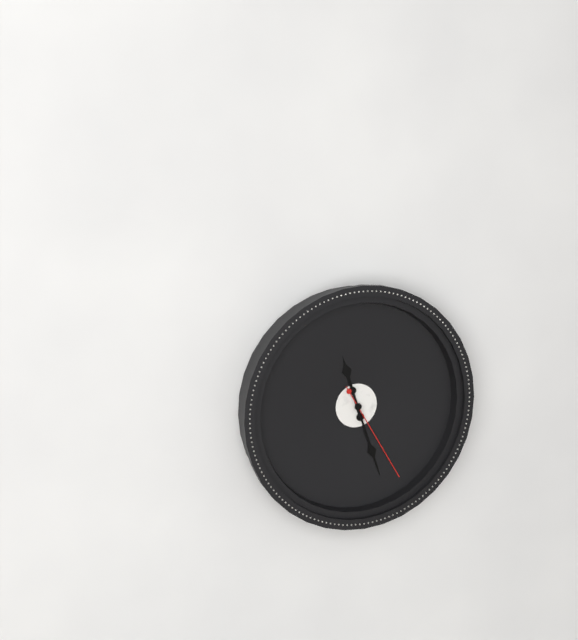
11:27:25
